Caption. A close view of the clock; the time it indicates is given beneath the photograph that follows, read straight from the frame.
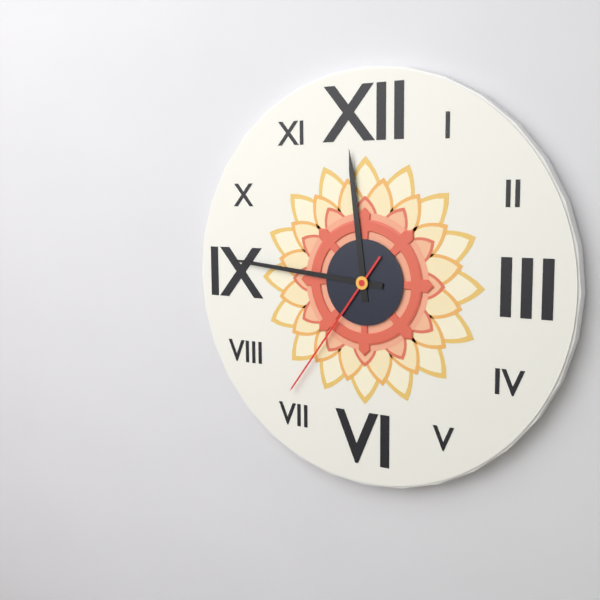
11:46:36
